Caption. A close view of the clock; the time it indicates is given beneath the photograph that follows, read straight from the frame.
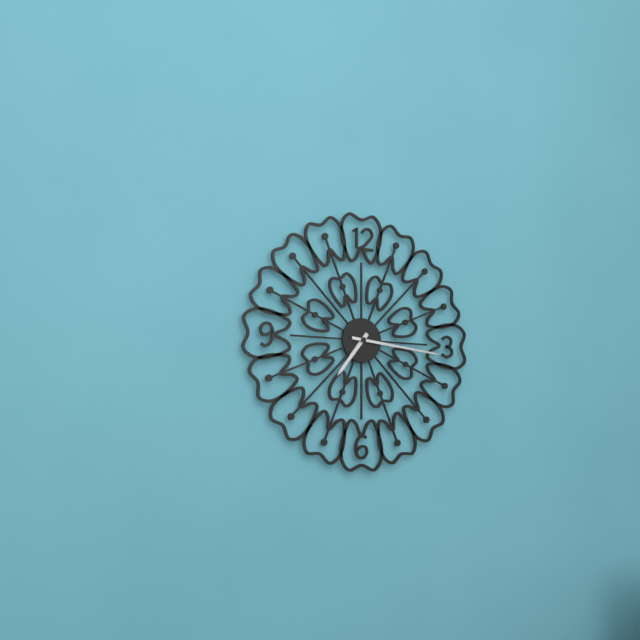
7:16
